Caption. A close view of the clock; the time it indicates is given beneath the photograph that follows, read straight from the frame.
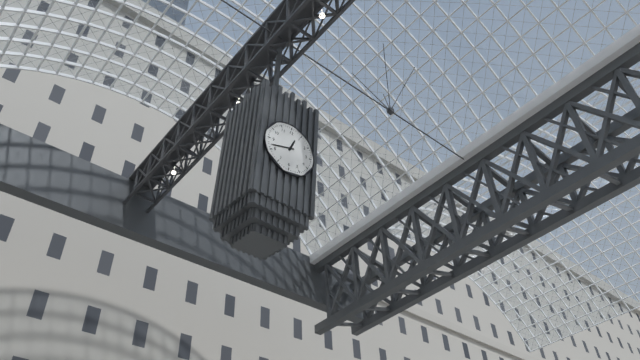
12:42
